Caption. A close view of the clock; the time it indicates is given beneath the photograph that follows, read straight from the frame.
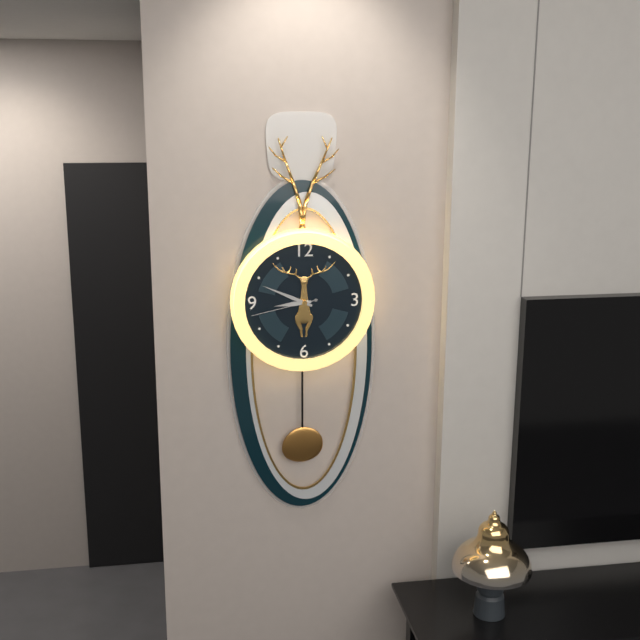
8:49:43
